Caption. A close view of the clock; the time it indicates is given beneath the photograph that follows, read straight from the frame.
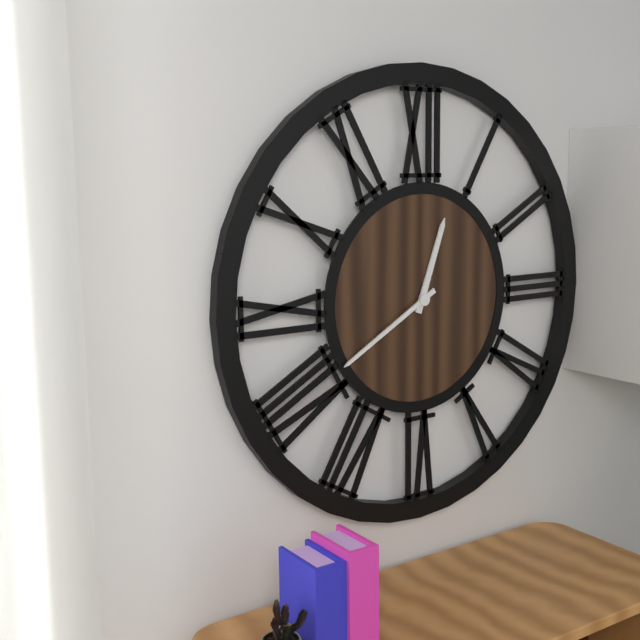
12:40
